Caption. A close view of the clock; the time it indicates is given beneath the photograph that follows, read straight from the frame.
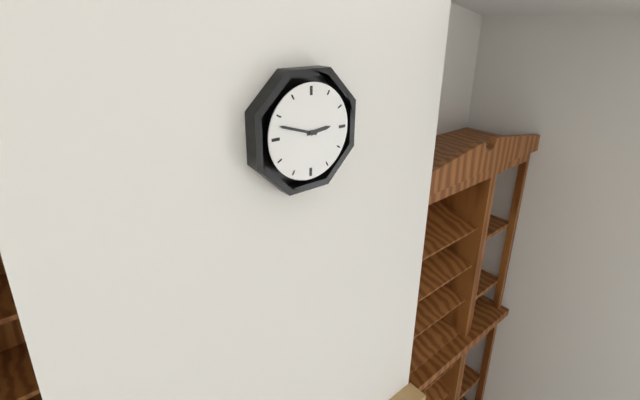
2:48
